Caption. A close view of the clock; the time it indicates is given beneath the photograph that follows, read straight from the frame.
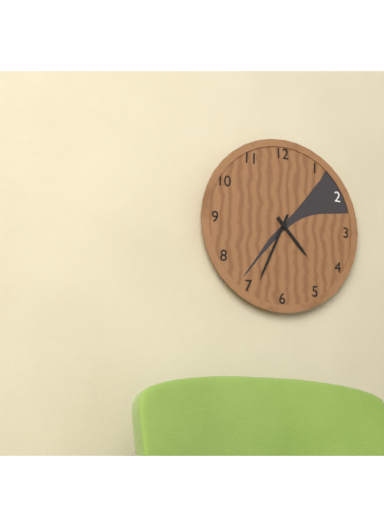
4:34
